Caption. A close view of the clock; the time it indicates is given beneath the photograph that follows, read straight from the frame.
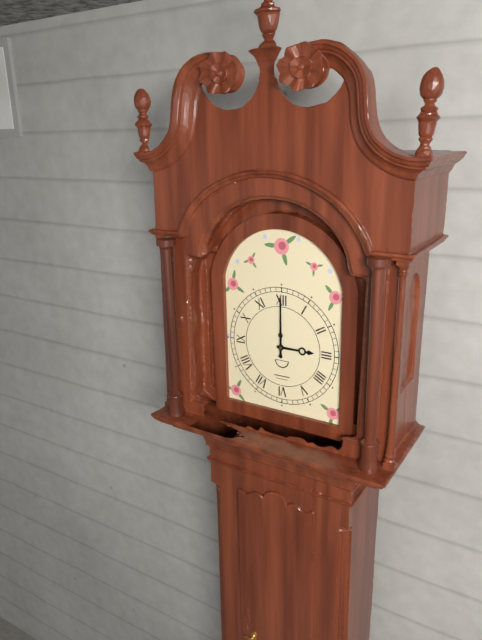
3:00
